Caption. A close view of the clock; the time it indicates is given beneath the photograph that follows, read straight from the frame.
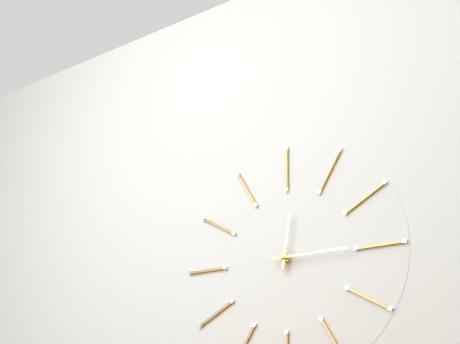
12:15
